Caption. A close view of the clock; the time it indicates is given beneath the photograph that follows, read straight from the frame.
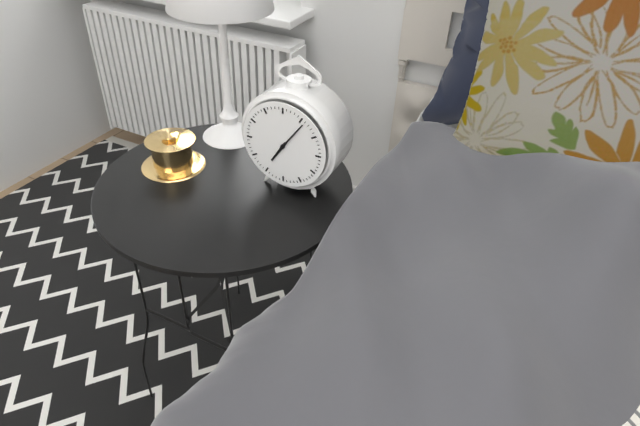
7:06
